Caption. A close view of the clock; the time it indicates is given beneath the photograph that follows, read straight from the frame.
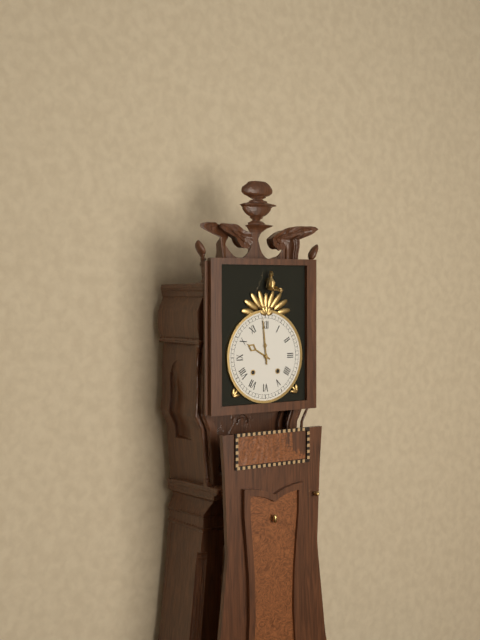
9:59
